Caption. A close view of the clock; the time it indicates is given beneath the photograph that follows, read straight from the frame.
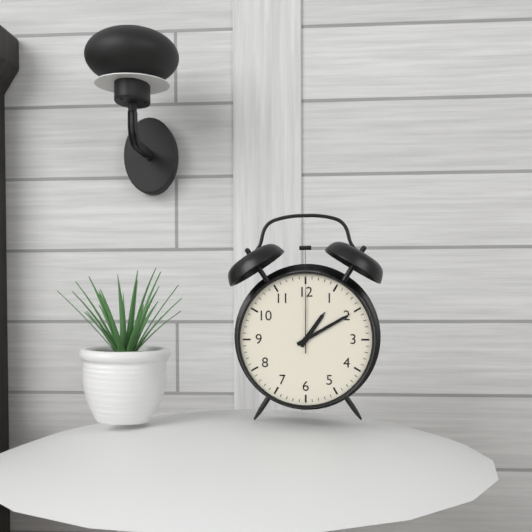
1:10:00
